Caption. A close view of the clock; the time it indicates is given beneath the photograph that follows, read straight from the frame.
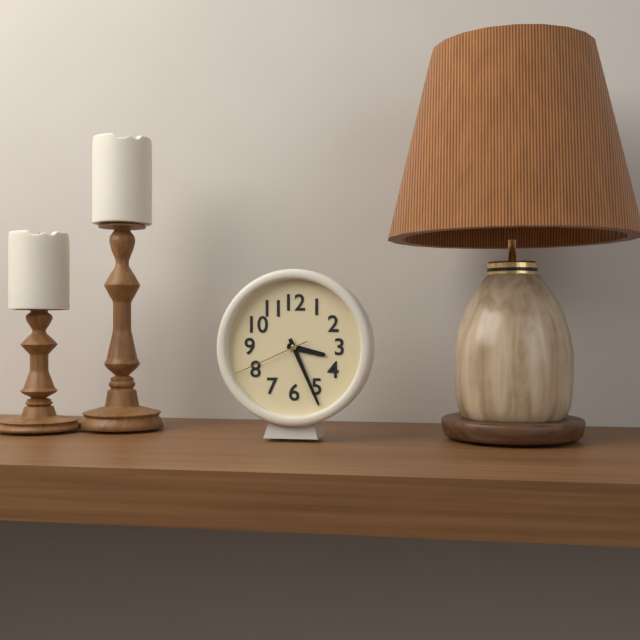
3:26:41
